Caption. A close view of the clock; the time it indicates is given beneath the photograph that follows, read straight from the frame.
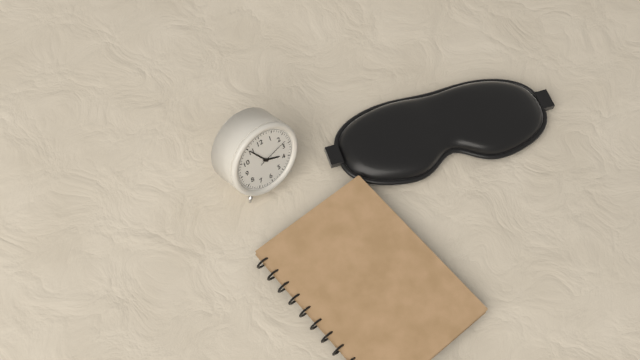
3:55
